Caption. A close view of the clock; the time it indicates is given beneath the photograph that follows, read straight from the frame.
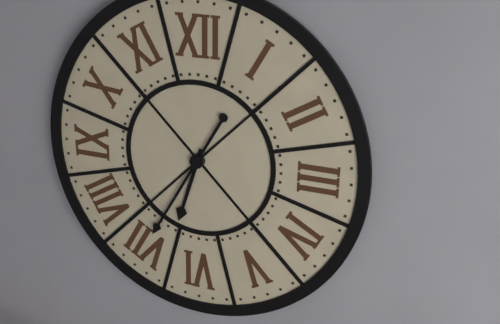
6:35
